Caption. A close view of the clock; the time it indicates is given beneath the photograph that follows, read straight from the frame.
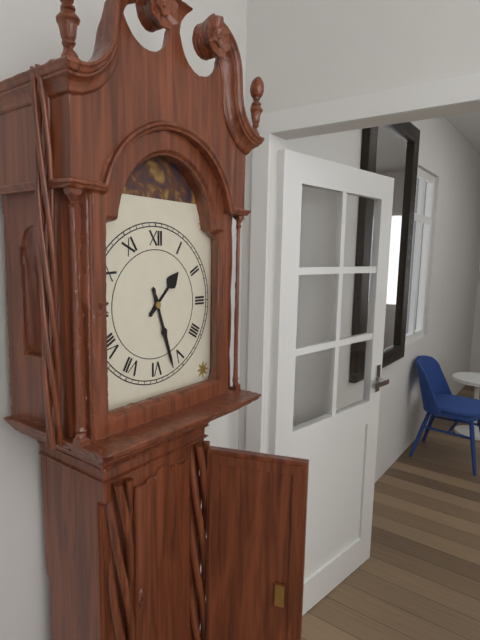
1:27
